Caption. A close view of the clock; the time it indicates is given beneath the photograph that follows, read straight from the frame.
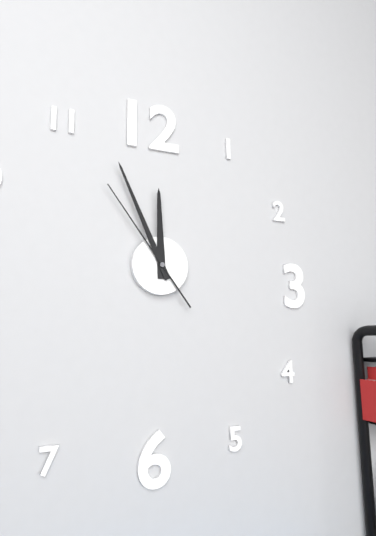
11:56:54
